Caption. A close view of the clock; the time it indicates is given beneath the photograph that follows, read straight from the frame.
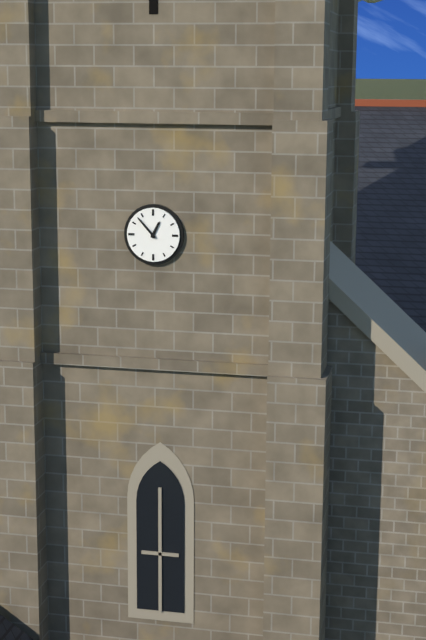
12:53
